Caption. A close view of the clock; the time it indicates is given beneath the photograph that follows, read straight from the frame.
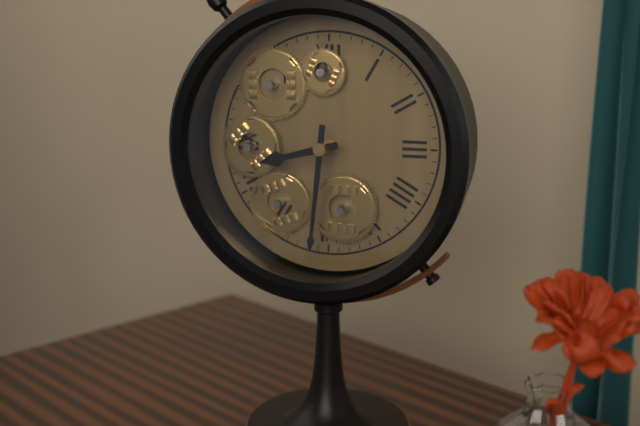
8:31
